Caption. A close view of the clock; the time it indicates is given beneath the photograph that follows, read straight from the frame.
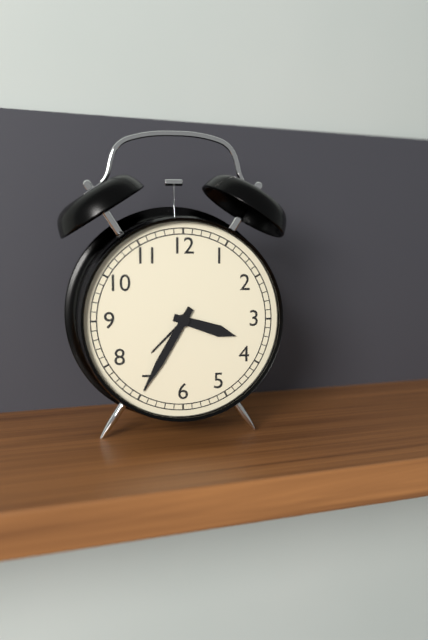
3:35
